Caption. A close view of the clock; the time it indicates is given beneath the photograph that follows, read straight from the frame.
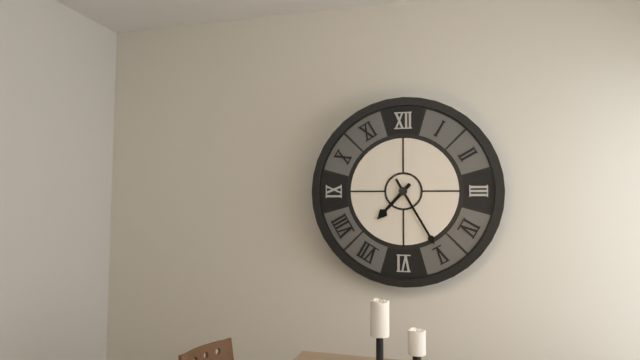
7:25
